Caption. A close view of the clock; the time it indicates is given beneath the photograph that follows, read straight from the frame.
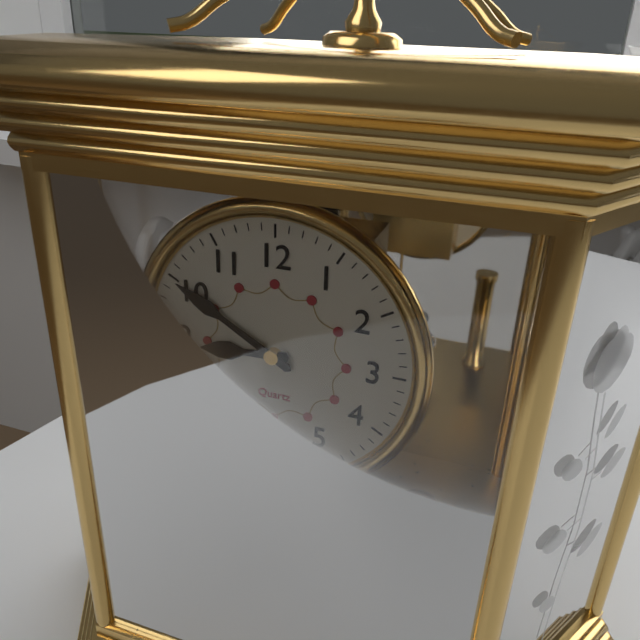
8:50
